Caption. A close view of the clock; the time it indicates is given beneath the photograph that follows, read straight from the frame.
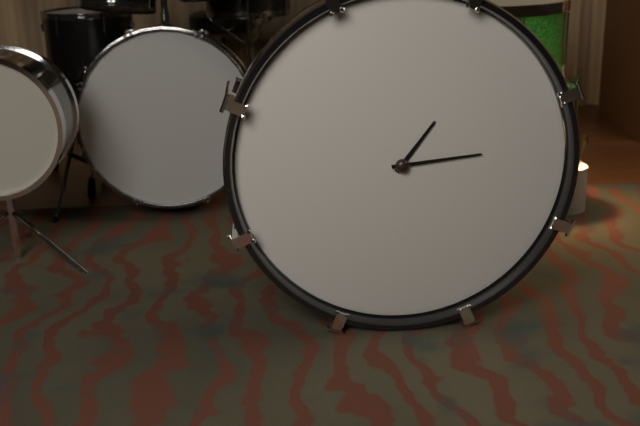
1:14
